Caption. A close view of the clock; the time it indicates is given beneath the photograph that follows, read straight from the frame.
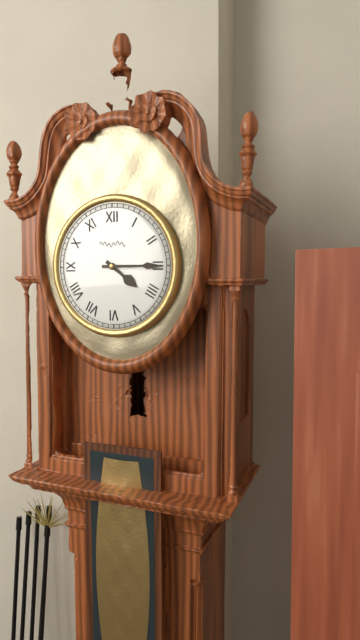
4:15
